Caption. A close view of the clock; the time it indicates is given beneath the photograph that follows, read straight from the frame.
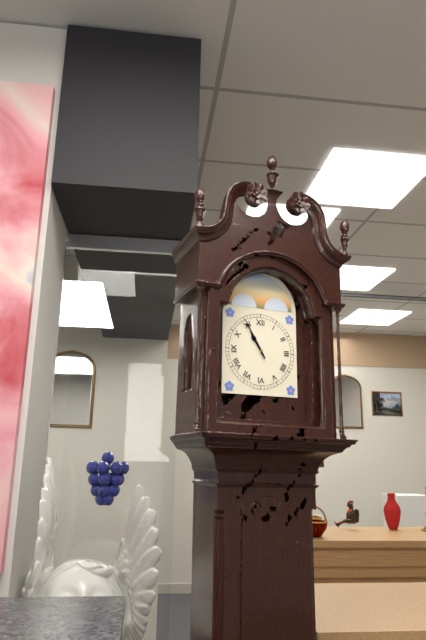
10:55
